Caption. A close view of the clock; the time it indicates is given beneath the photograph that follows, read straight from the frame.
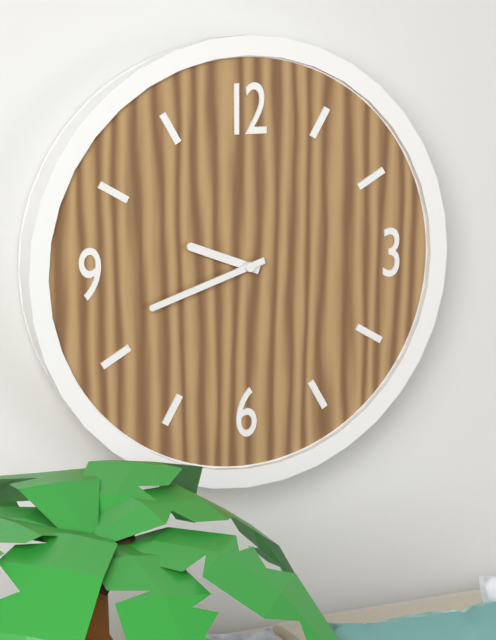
9:42
